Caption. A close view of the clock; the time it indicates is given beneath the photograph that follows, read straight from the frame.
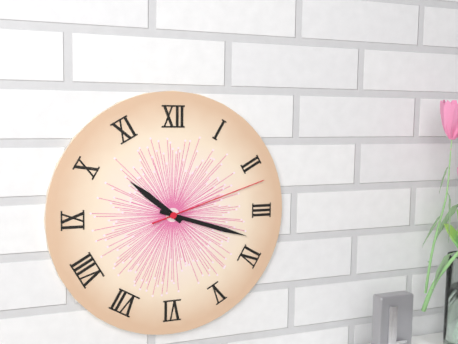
10:18:12
